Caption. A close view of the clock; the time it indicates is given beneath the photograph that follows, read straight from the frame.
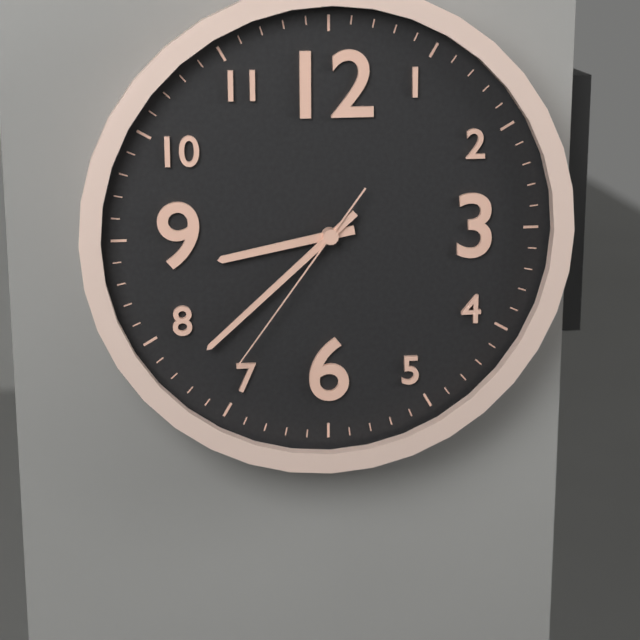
8:38:36
